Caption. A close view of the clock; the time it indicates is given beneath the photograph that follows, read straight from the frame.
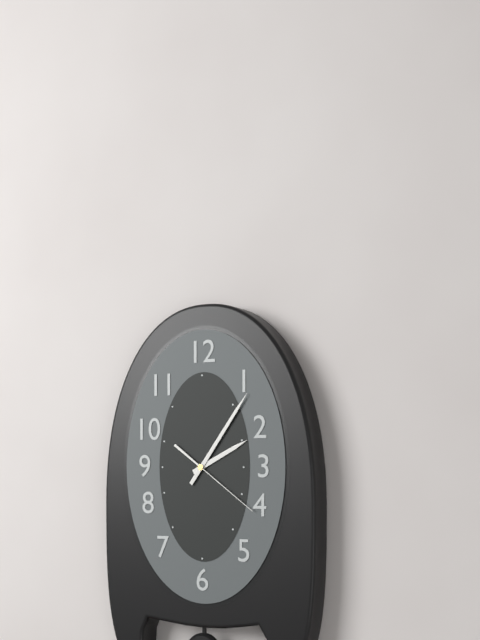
2:06:21
